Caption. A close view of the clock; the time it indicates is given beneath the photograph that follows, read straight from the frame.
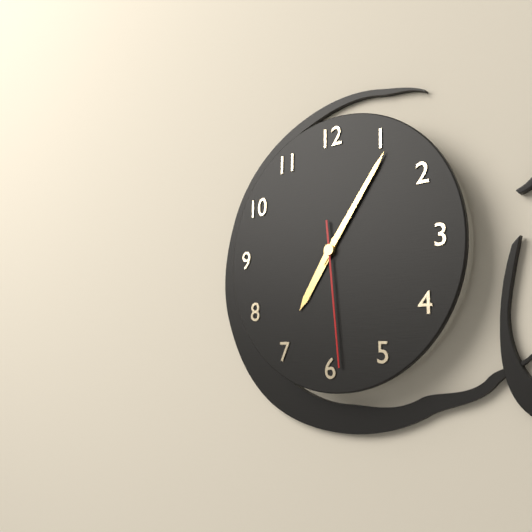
7:06:29
